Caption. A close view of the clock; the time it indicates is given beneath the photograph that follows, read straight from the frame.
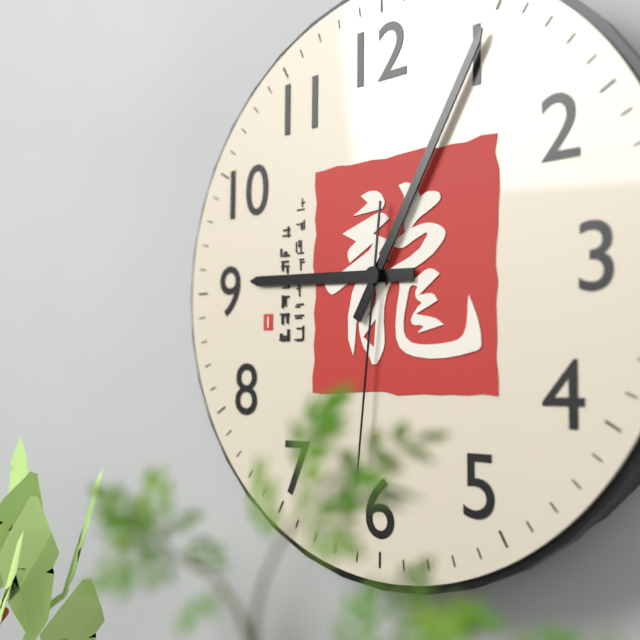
9:05:31
